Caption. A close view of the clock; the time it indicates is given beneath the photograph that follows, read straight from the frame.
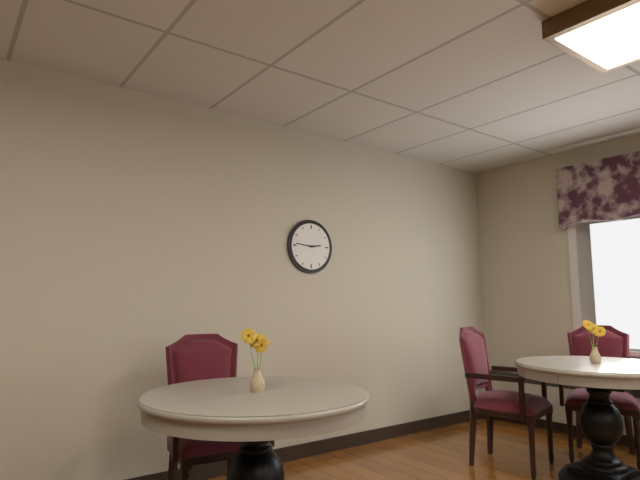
2:46
